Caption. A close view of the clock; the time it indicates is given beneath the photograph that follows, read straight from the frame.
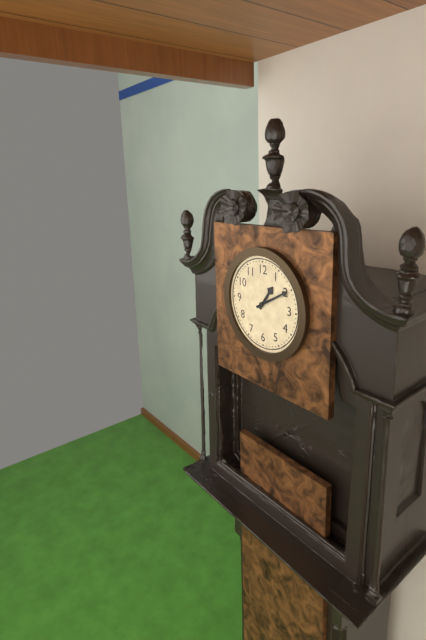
1:10
